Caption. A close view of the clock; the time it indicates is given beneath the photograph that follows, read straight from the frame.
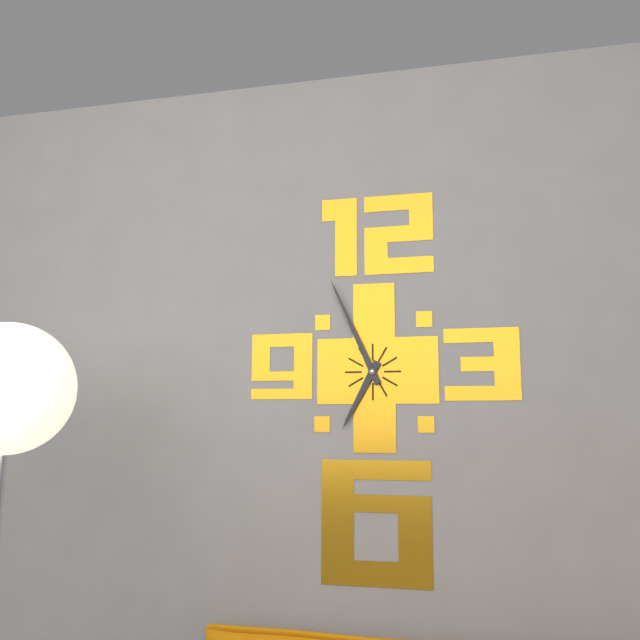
6:56
